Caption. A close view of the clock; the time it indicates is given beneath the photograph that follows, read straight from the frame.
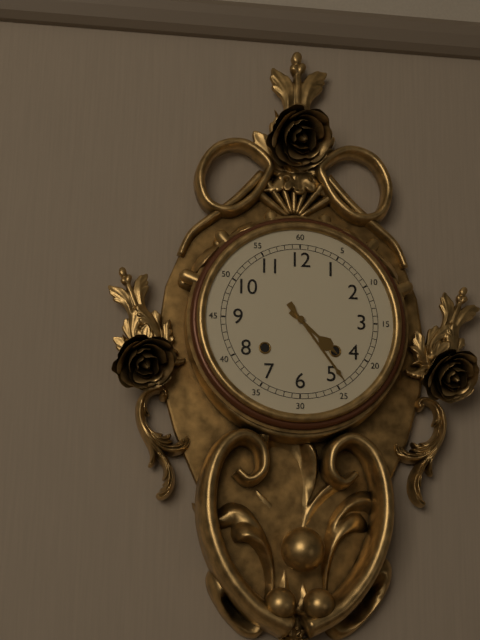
4:24
